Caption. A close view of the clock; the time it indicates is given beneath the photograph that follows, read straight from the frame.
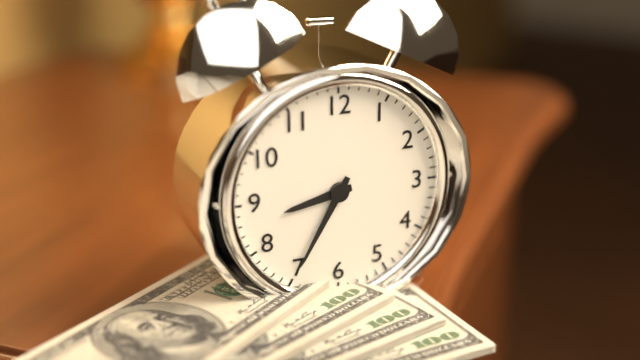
8:35
